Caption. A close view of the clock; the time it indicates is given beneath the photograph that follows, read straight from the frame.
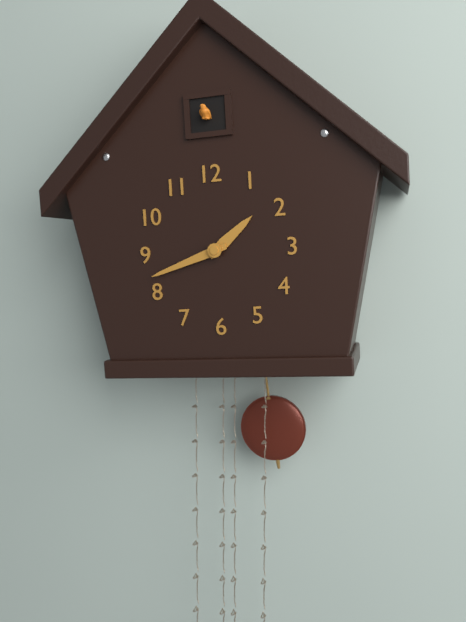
1:42
